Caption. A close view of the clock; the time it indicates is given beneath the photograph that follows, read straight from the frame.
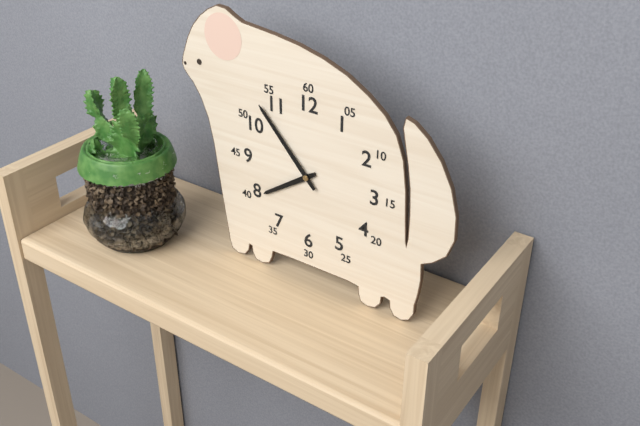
7:53
